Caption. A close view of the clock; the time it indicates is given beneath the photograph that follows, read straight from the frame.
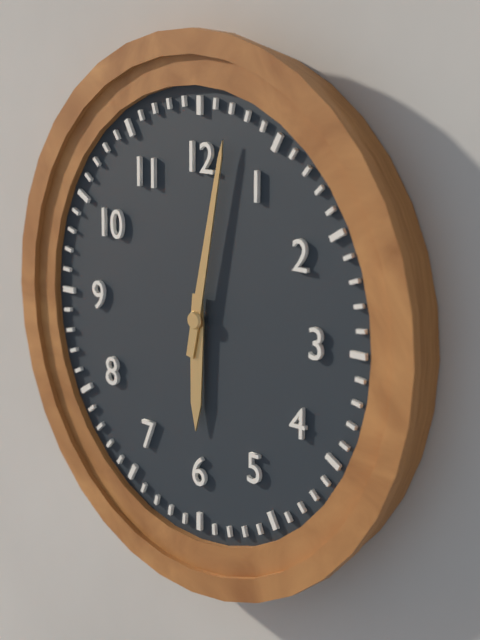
6:02
